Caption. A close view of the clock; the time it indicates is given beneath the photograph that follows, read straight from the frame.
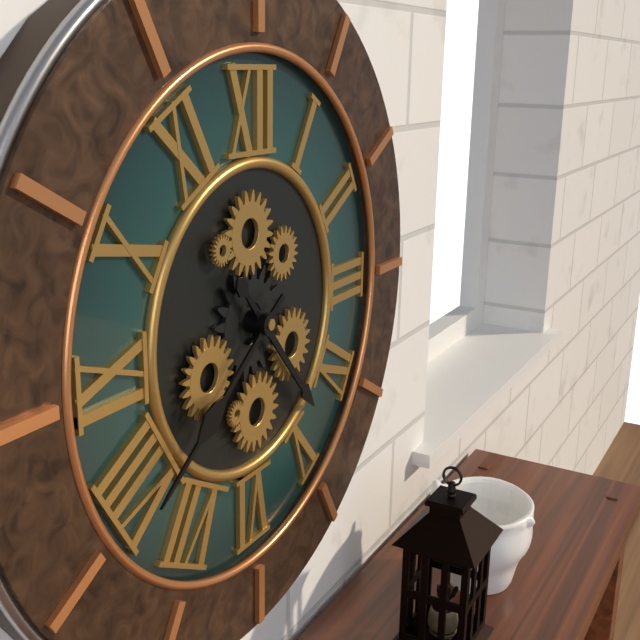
4:39
